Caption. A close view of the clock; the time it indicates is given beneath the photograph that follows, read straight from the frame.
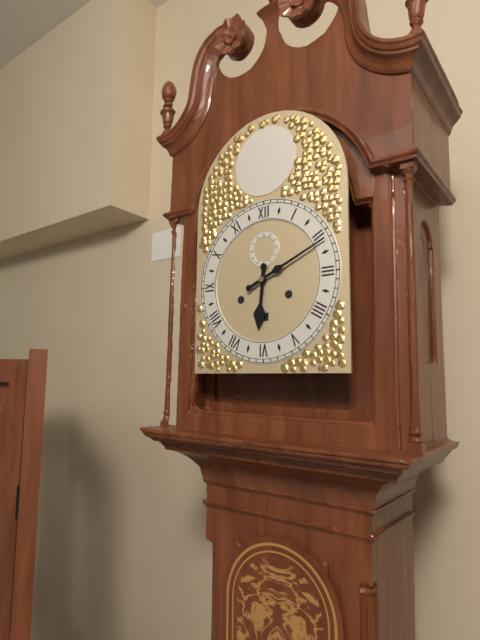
6:11
